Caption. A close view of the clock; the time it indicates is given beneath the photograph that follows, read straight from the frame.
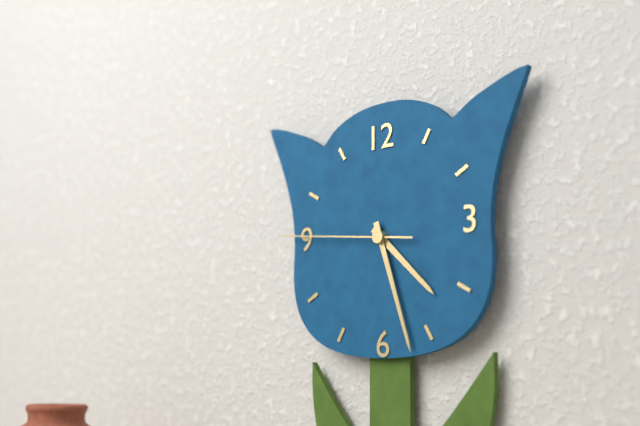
4:27:46
